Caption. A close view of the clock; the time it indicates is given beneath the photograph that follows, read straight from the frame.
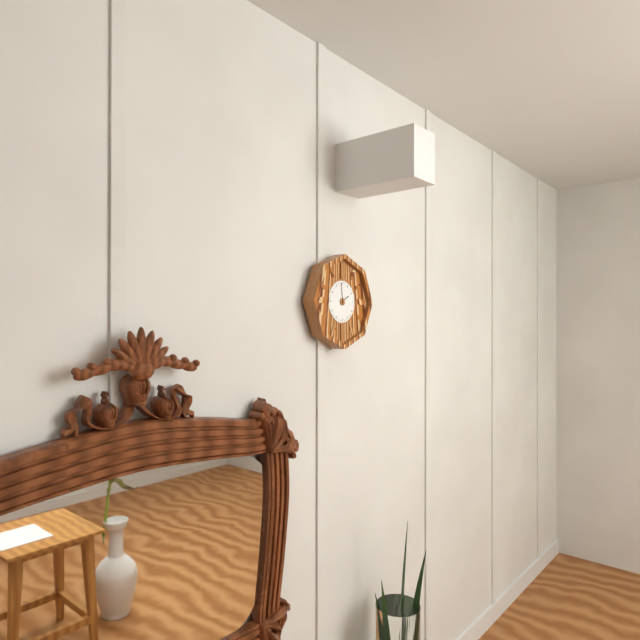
1:59
